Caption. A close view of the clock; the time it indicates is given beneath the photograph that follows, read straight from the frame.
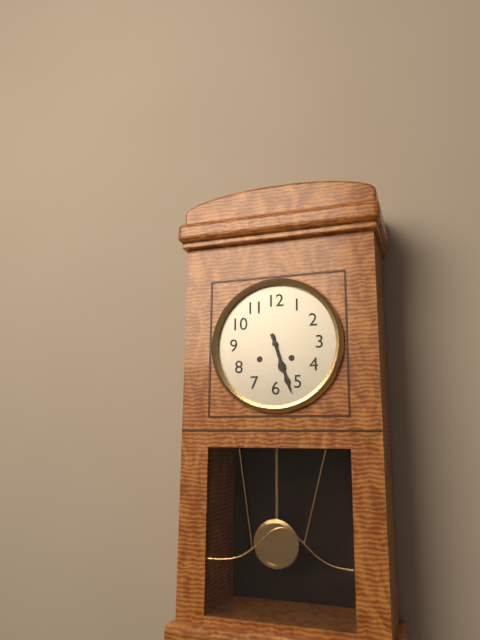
5:27
